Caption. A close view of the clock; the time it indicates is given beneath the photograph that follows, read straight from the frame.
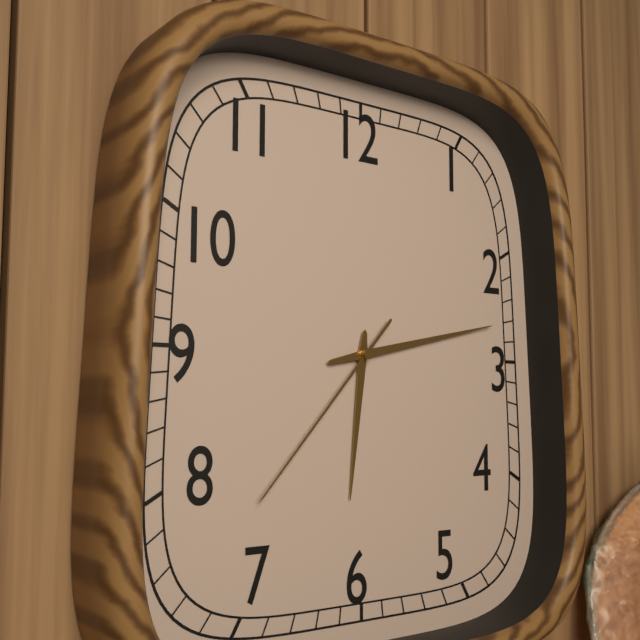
6:13:37
